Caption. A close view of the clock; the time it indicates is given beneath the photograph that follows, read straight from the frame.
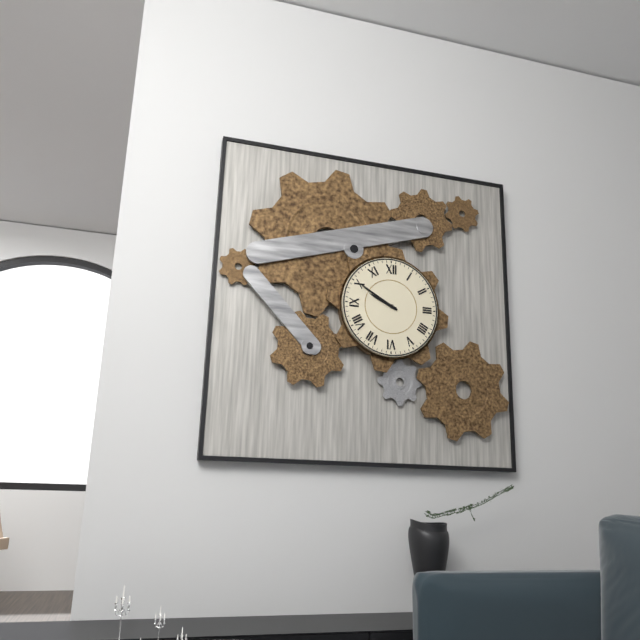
9:50
